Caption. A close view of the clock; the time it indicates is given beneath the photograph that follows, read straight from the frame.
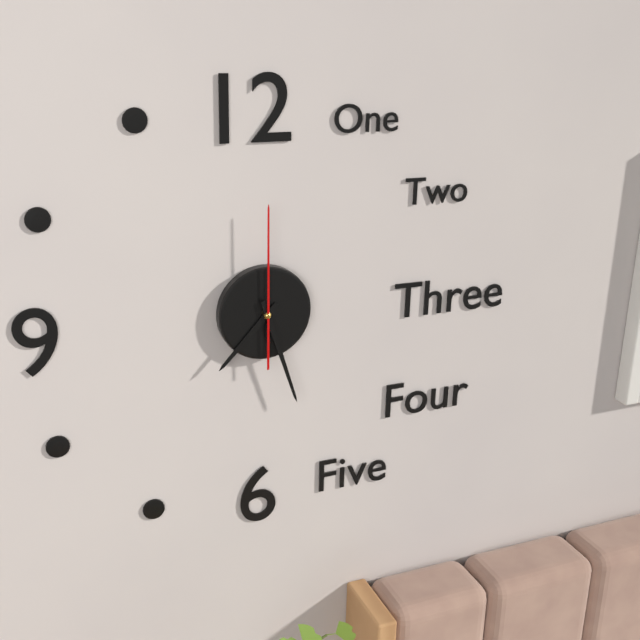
7:27:00
